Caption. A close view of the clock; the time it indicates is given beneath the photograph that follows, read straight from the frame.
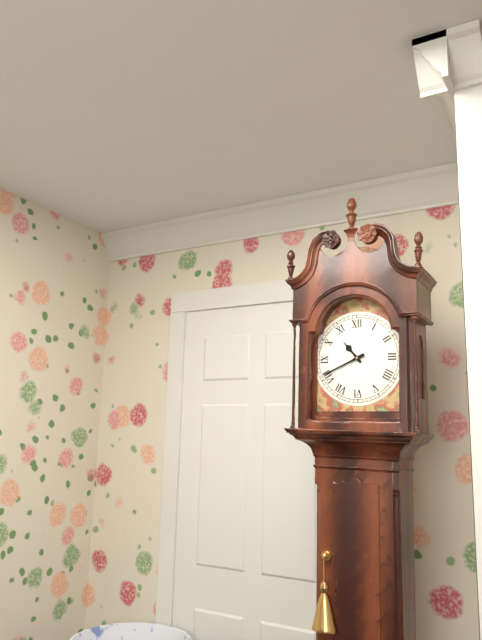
10:41
